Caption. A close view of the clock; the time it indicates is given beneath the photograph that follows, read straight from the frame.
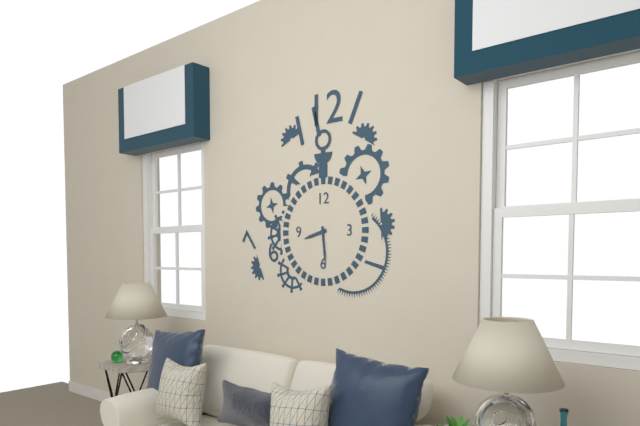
8:29
